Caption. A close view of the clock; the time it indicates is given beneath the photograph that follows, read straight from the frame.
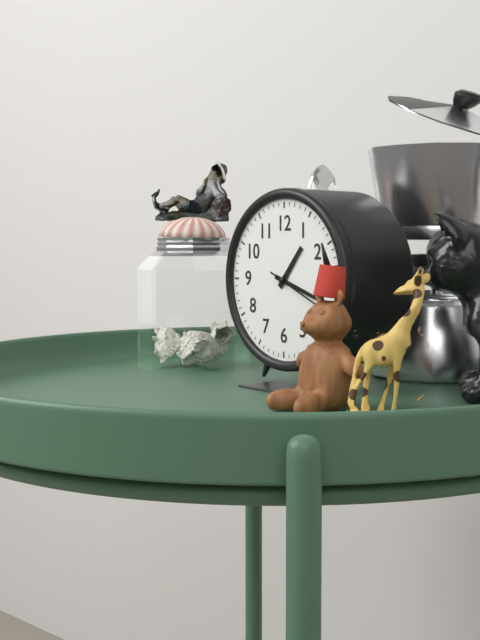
1:18:19
